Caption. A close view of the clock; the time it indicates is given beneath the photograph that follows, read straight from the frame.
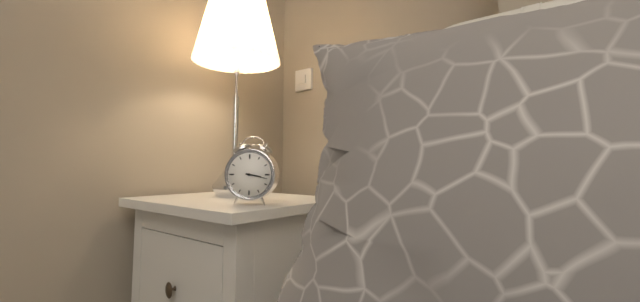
3:17
